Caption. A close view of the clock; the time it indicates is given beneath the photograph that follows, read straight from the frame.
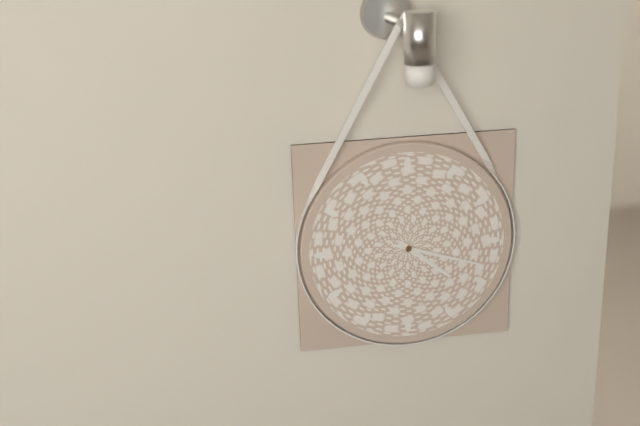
4:18
